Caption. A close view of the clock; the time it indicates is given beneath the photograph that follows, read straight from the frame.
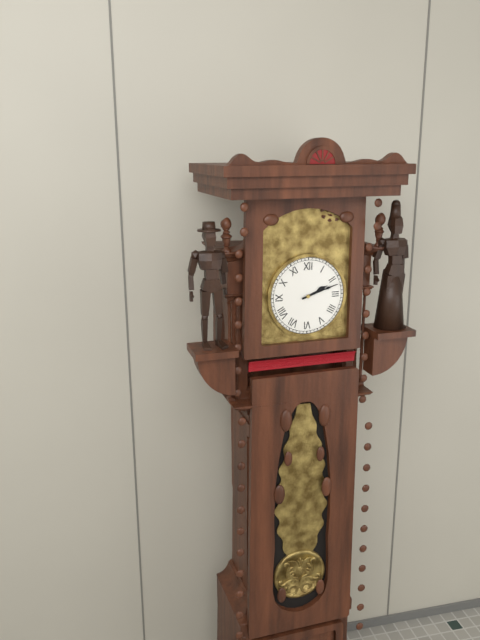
2:12
